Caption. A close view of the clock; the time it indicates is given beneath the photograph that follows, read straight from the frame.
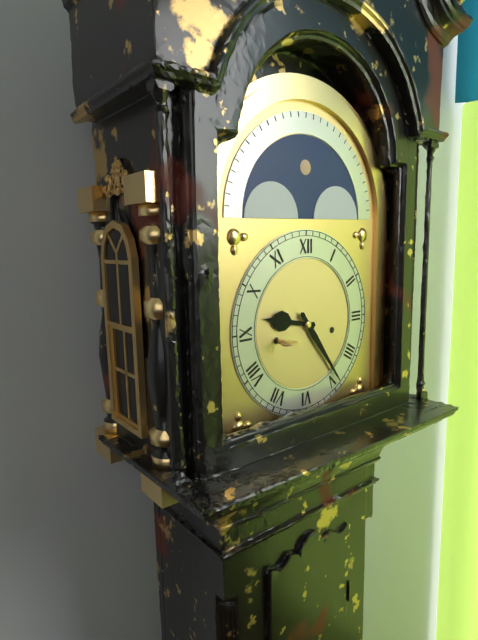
9:24
